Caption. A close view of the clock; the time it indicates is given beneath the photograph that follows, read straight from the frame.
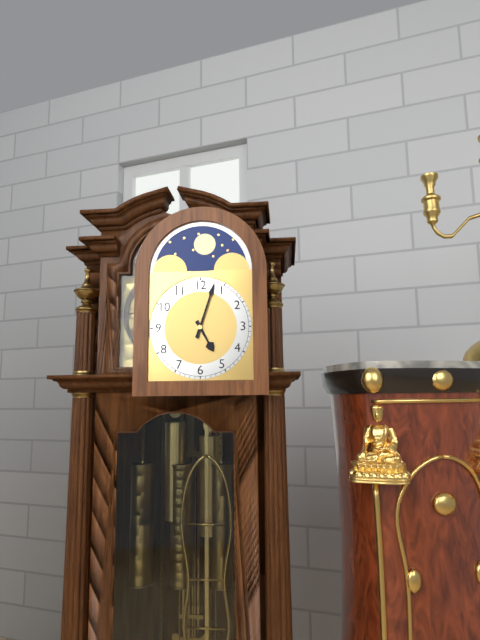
5:03
